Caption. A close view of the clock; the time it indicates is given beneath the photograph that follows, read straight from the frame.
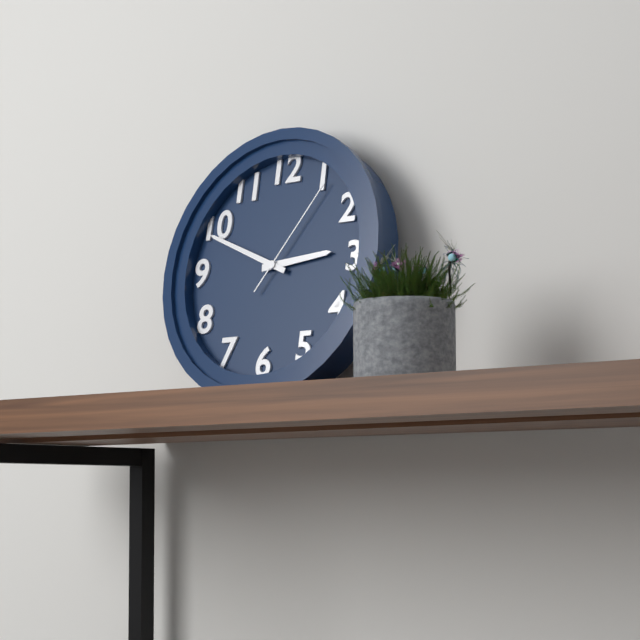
2:49:06
